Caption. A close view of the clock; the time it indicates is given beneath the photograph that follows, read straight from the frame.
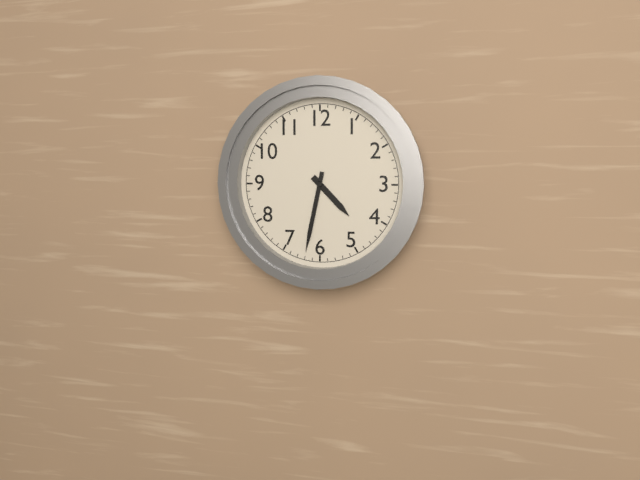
4:32
